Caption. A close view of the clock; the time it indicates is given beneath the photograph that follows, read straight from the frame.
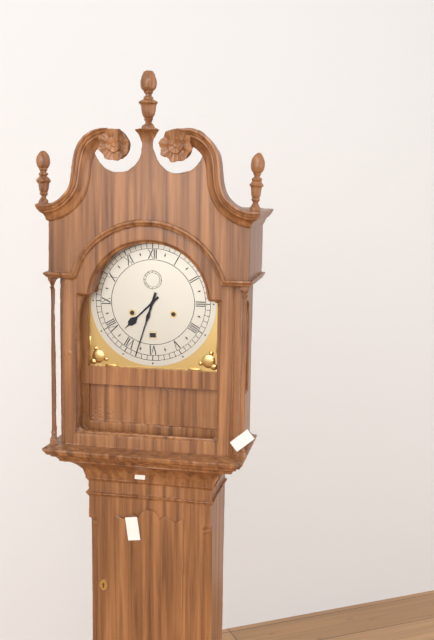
7:33
